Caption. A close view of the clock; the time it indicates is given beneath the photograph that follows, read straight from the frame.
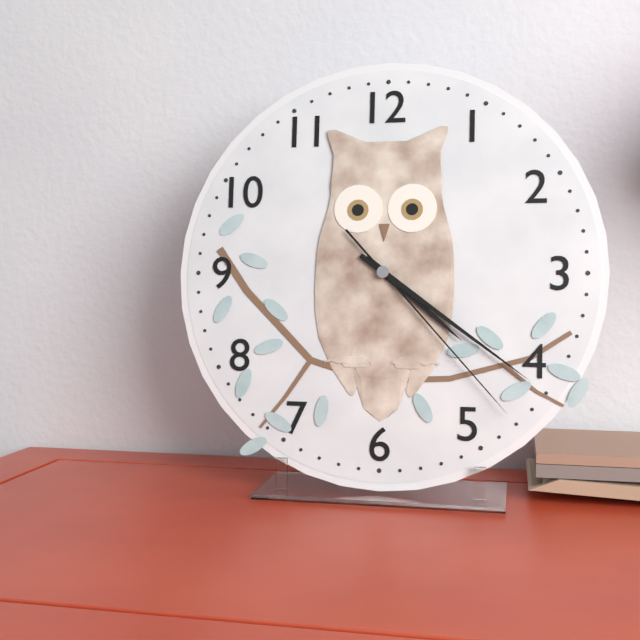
4:21:23
